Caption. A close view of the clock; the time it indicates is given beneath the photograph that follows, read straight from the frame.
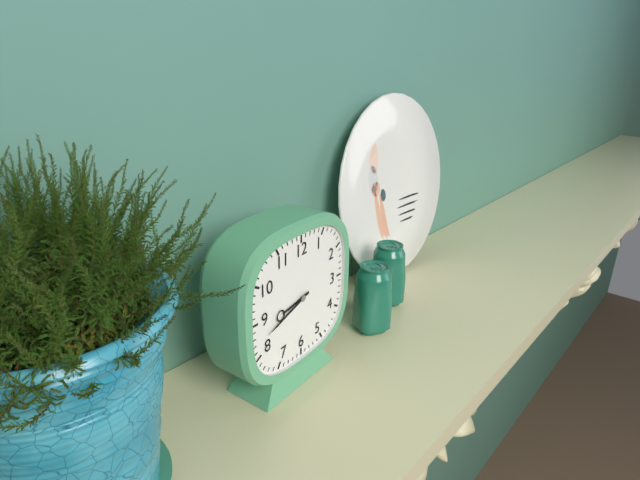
8:42
